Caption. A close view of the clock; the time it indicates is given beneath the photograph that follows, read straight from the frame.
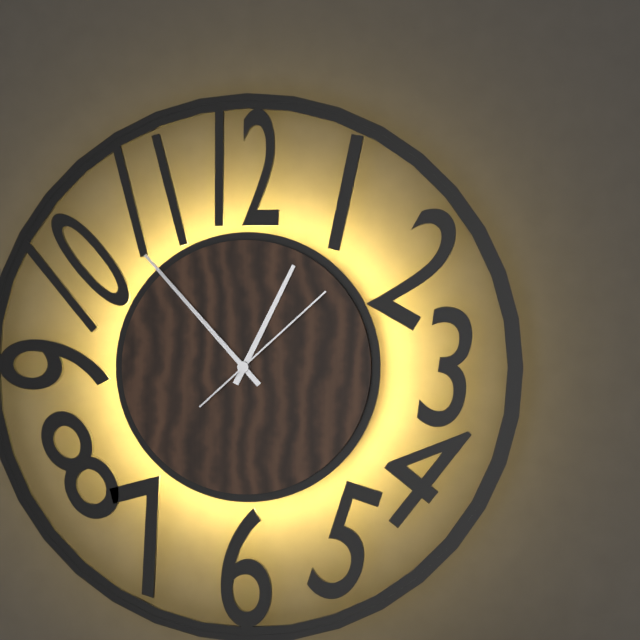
12:53:08
